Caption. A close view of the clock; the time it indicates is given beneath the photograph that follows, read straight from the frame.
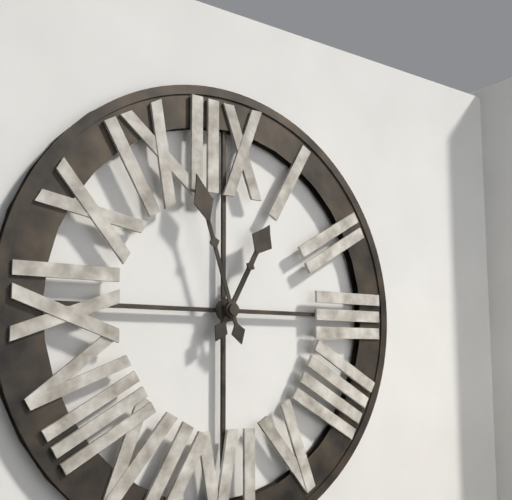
12:57
